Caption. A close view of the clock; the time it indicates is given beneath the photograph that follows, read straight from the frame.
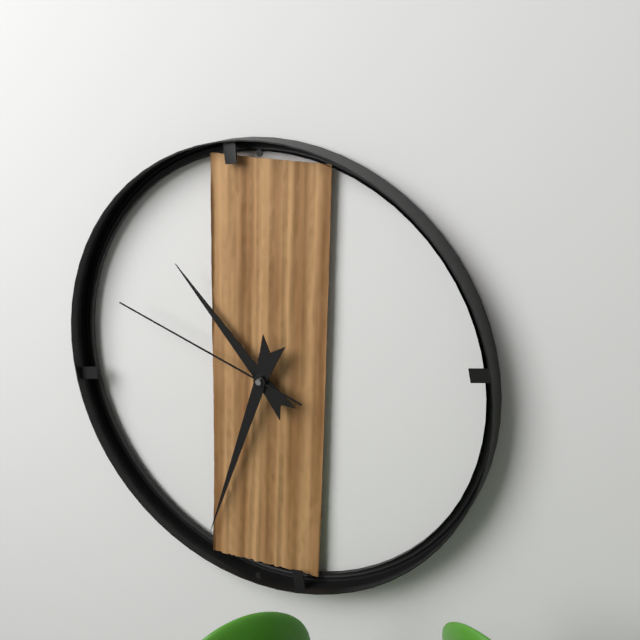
10:33:48
